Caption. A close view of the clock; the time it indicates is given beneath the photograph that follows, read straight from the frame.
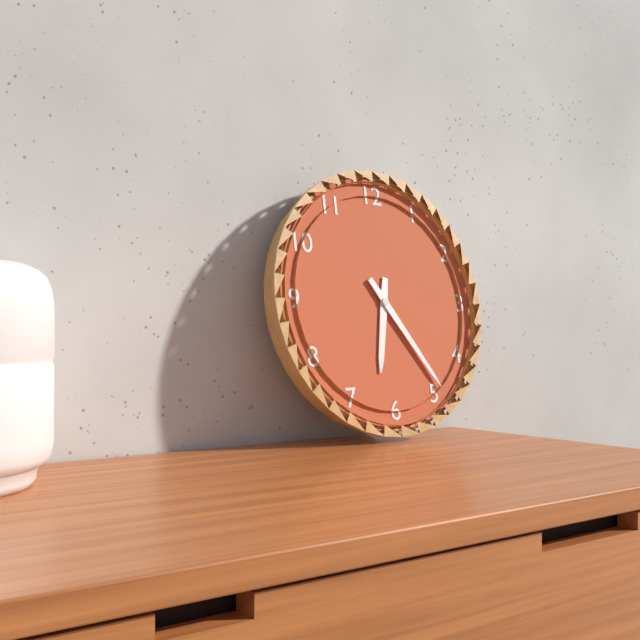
6:24
